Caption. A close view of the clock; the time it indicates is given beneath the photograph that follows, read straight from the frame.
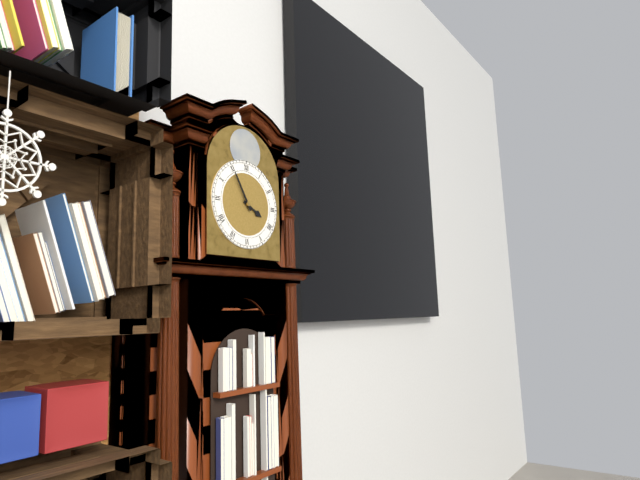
3:55
